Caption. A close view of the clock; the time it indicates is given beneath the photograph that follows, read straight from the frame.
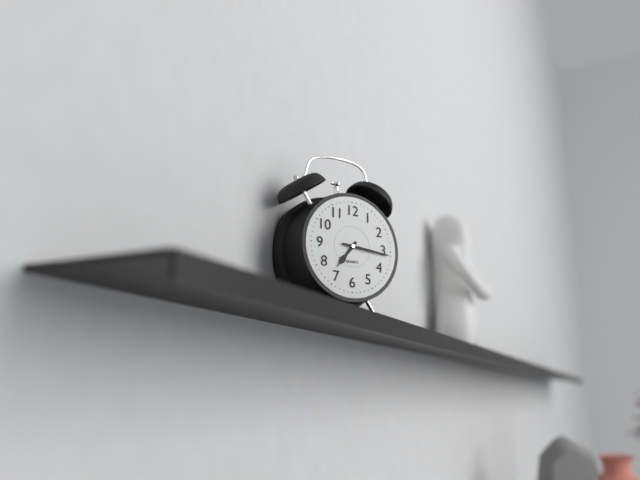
7:16
